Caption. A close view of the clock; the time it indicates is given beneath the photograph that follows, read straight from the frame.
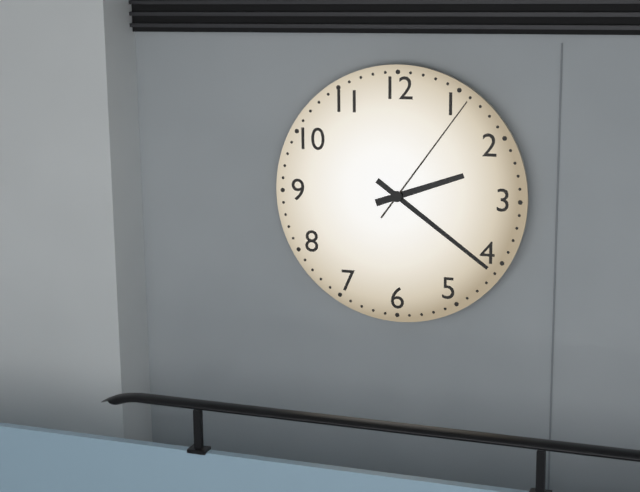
2:21:06
